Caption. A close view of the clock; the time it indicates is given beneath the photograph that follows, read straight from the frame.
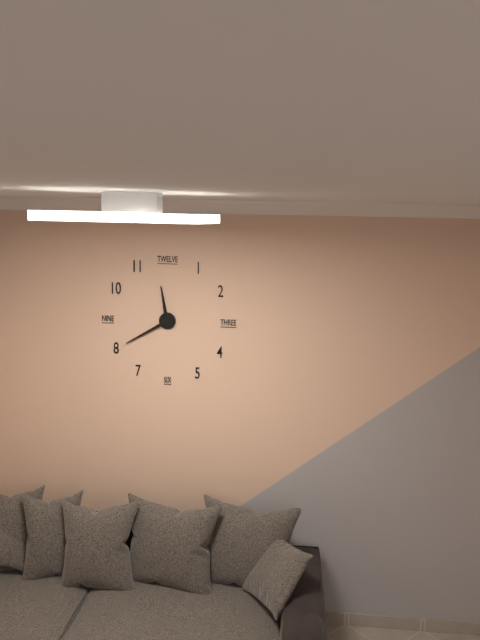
11:40
